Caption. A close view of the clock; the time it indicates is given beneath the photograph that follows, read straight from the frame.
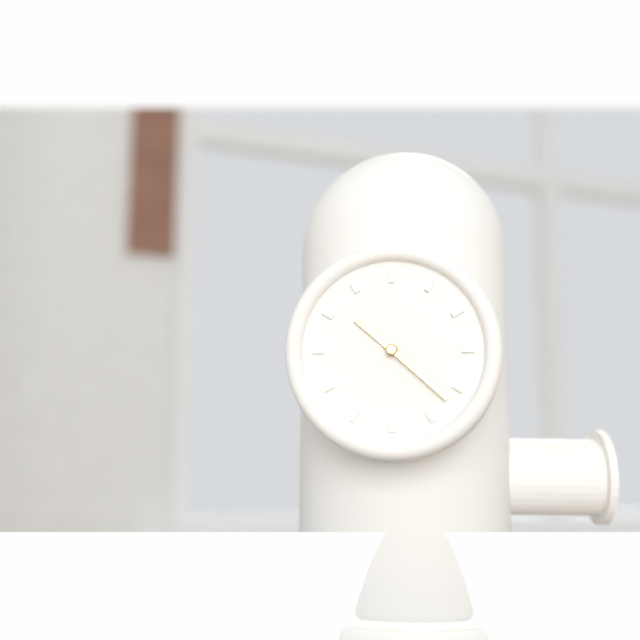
10:22
